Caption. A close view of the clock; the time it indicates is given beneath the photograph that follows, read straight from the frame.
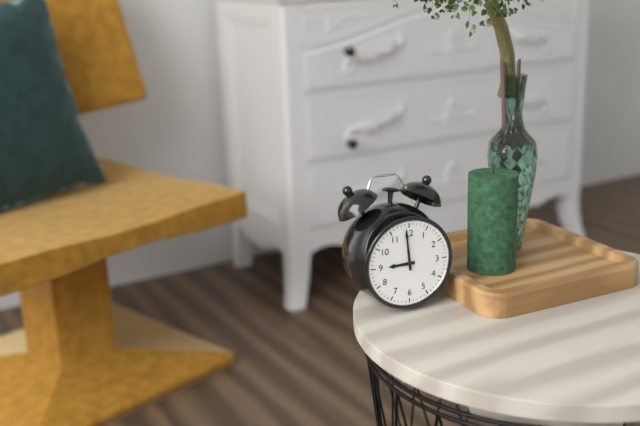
8:59
